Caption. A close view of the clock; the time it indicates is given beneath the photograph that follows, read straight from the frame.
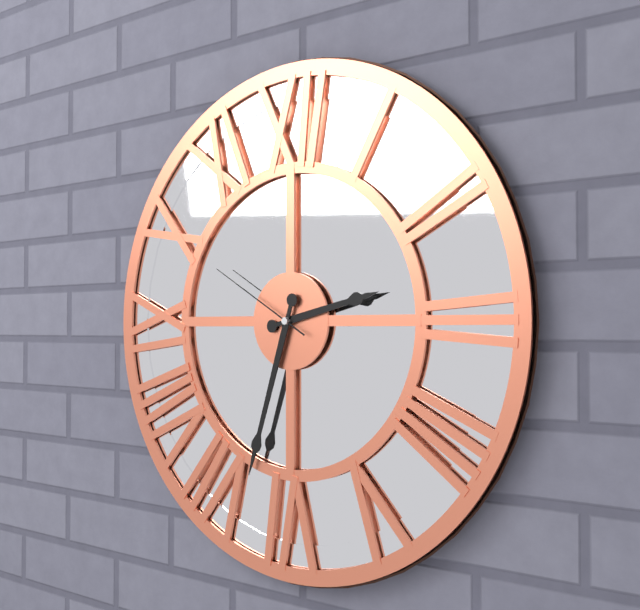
2:33:50
